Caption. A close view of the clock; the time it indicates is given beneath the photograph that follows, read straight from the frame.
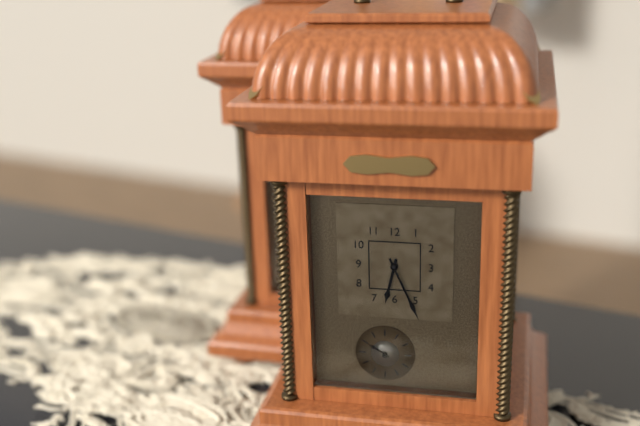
6:26
